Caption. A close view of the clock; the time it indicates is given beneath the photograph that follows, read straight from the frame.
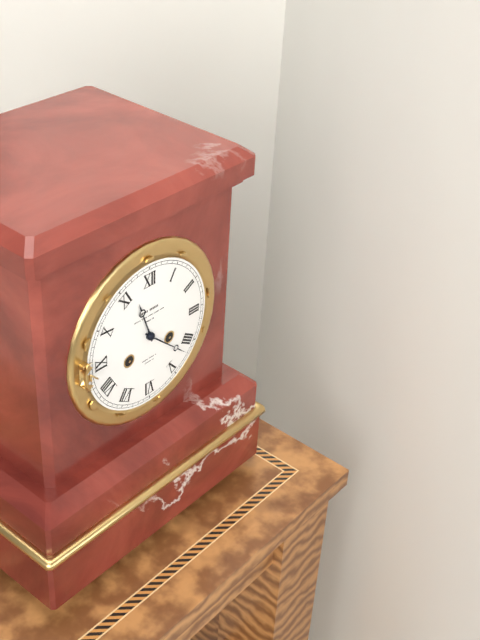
11:22
